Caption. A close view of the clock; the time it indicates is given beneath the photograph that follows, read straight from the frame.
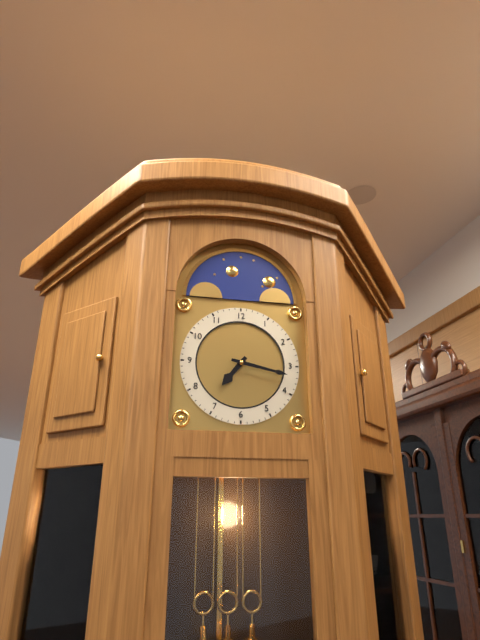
7:17
